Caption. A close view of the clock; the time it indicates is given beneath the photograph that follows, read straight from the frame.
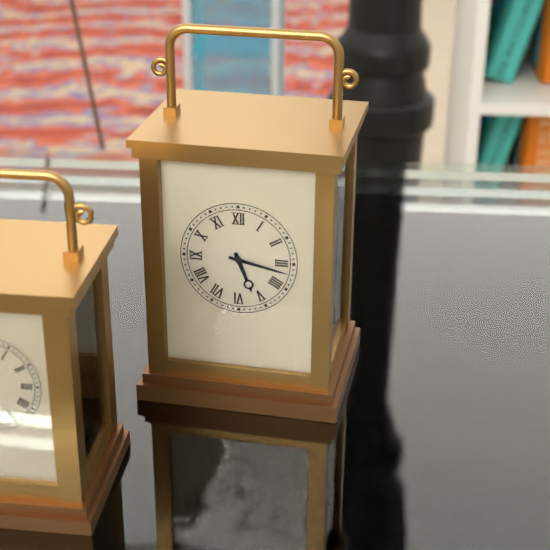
5:17
